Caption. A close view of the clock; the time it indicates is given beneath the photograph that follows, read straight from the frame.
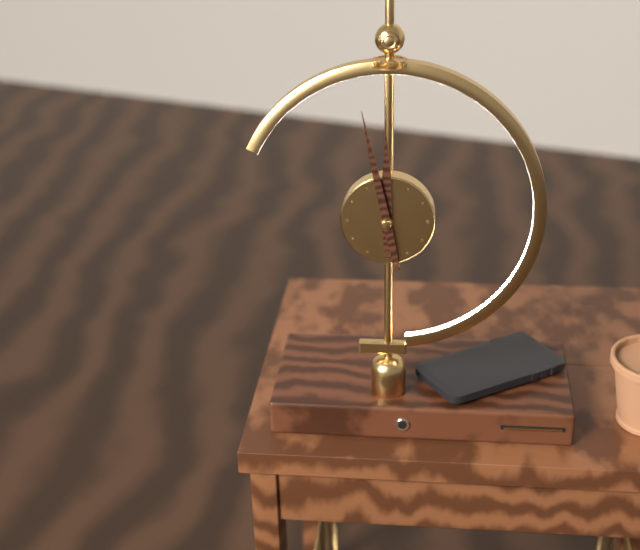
11:58
